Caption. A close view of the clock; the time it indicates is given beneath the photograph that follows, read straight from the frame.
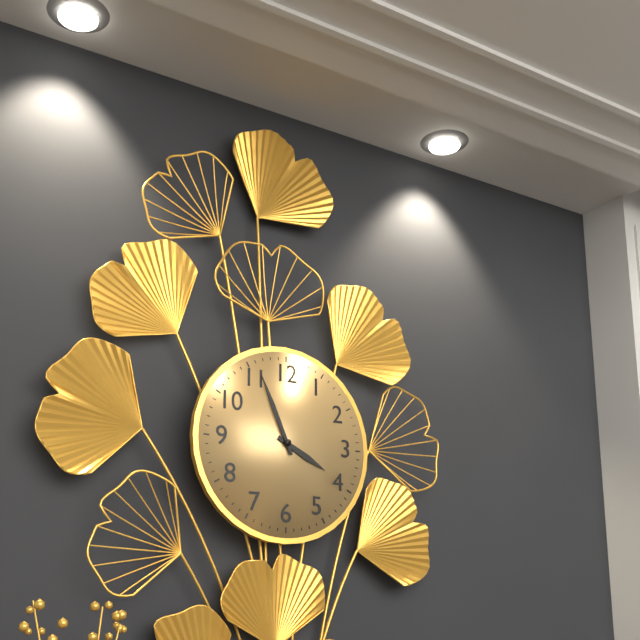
3:56
